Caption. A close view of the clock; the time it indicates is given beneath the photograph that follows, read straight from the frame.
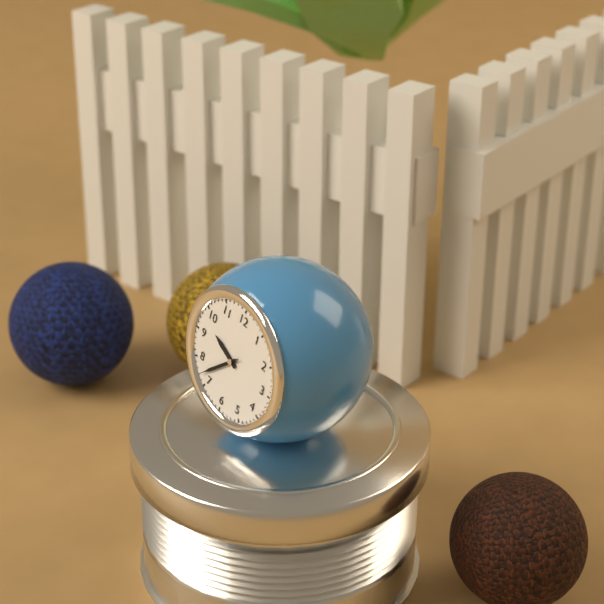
9:37:37
